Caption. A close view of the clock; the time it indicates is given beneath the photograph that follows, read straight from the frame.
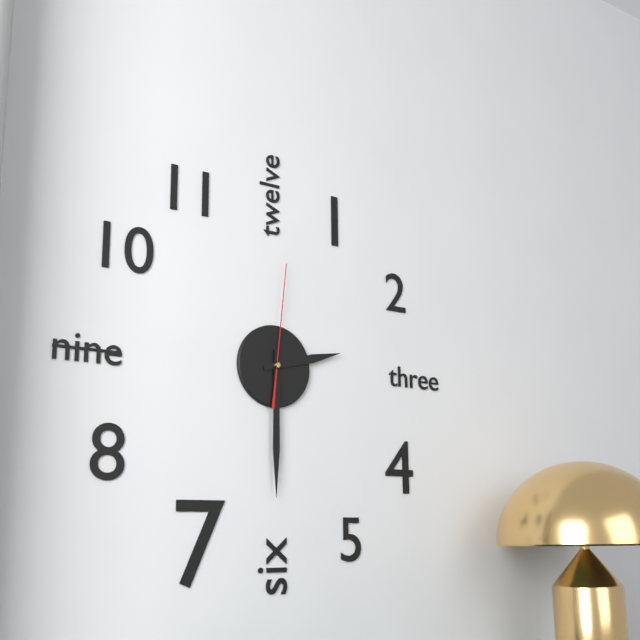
2:30:01
